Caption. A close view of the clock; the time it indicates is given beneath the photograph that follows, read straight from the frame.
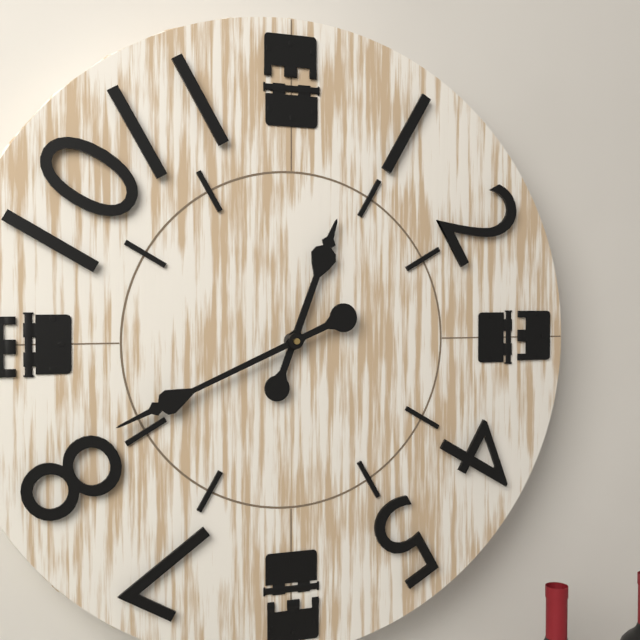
12:41
